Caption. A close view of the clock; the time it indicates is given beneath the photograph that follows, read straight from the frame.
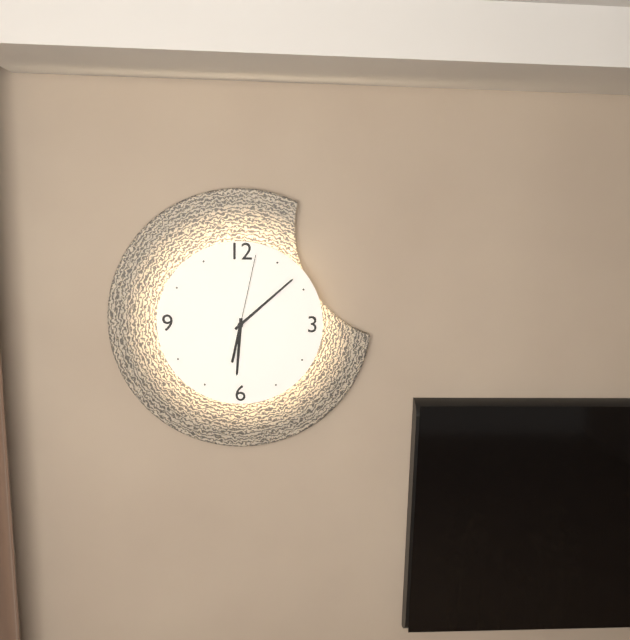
6:08:02
